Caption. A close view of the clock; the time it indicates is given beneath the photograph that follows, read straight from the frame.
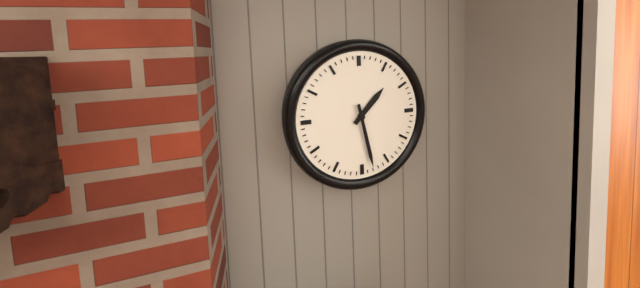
1:28
